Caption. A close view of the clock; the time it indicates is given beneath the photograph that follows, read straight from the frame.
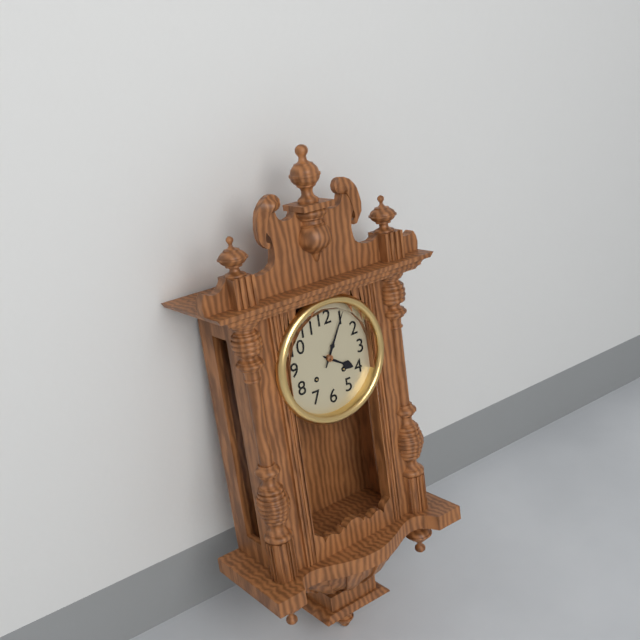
4:05
